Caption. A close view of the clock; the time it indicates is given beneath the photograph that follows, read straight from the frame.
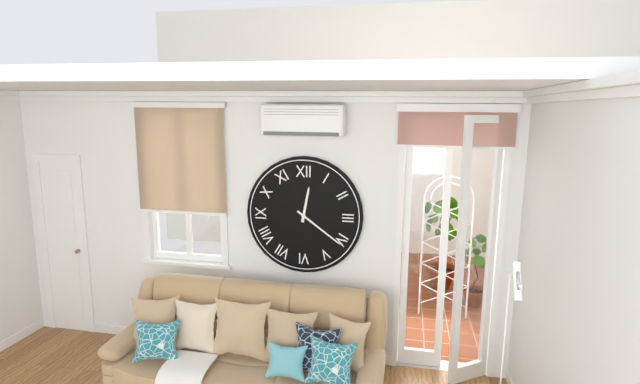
12:21
